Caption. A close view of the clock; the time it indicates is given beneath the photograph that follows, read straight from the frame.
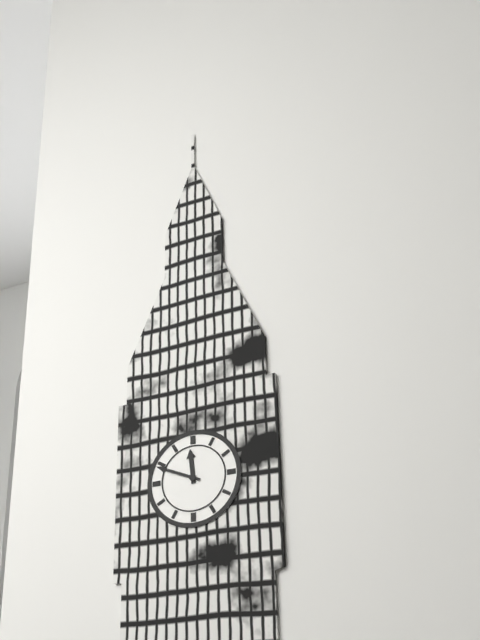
11:49
